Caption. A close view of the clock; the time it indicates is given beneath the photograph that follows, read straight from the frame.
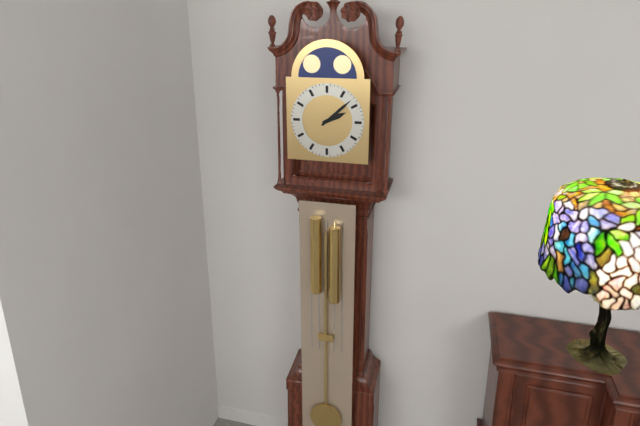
2:08
